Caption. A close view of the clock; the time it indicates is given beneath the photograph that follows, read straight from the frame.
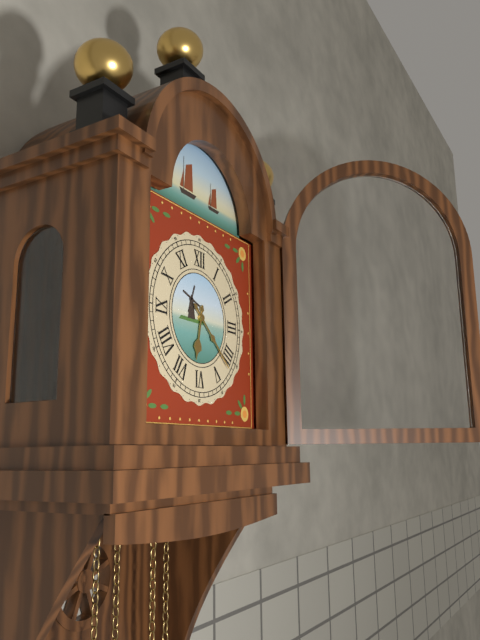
6:22
